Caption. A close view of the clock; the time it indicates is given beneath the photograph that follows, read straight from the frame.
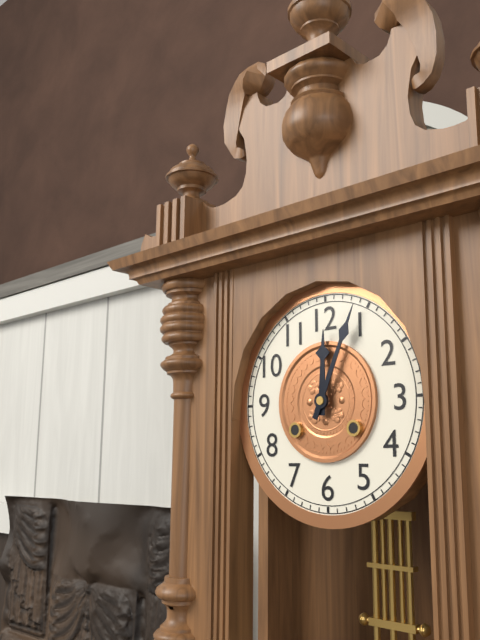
12:04
